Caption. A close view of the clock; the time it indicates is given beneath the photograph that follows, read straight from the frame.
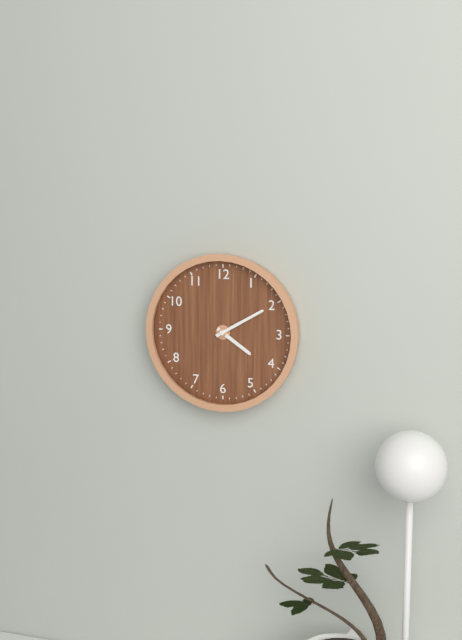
4:10
